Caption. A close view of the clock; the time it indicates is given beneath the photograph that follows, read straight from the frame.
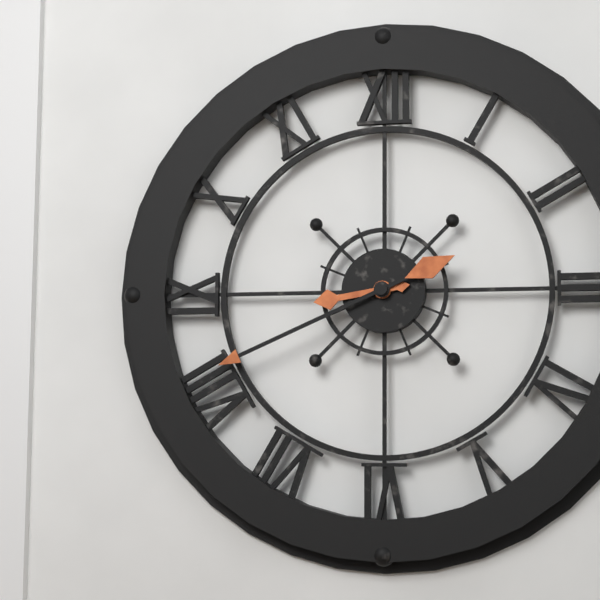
8:41
